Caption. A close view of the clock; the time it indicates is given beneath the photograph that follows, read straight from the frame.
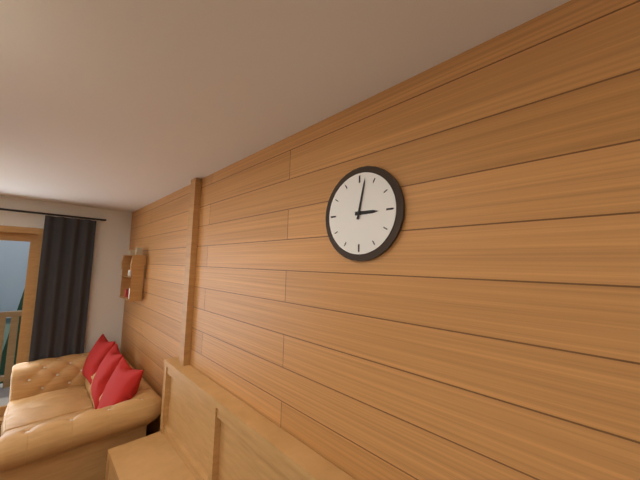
3:02
